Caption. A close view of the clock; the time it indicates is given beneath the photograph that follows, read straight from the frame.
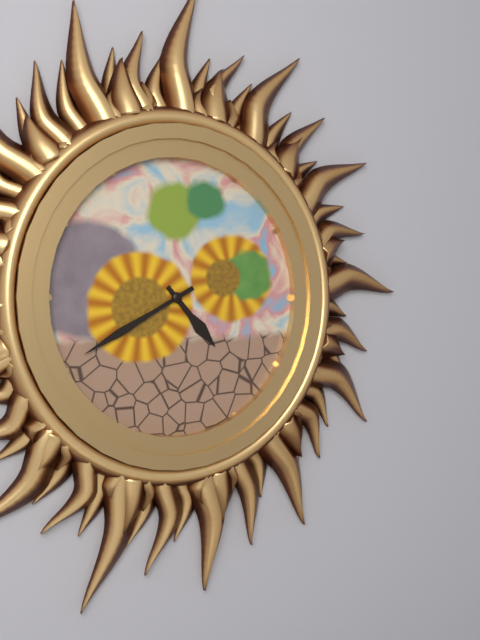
4:40
